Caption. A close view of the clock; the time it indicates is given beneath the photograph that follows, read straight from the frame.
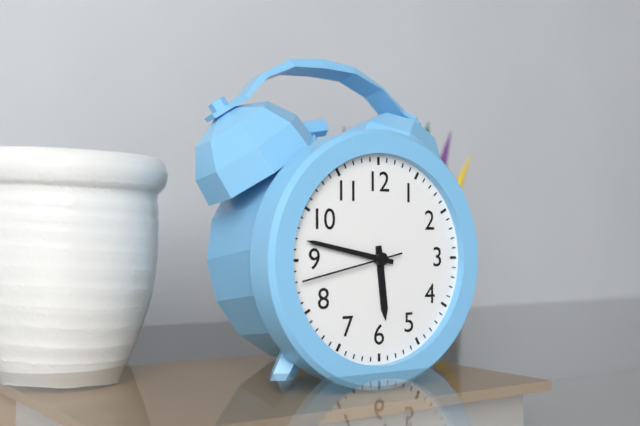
5:47:43
